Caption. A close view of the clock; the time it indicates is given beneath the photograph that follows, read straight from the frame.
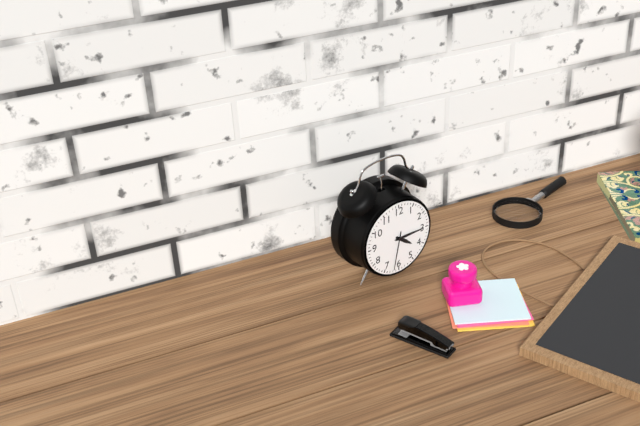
4:15
